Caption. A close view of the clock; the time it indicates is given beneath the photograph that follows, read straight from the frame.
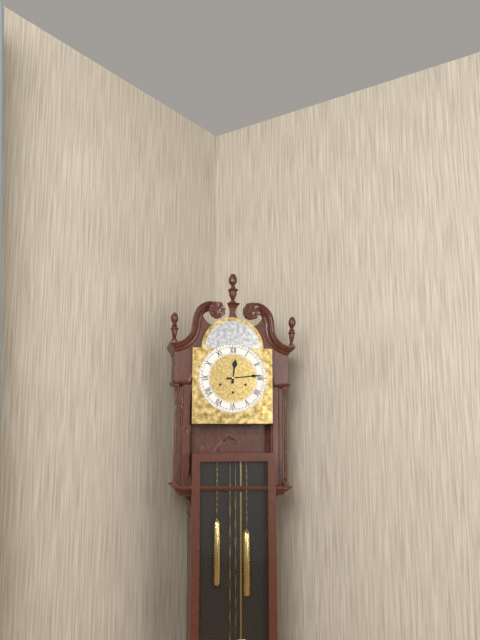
12:14
